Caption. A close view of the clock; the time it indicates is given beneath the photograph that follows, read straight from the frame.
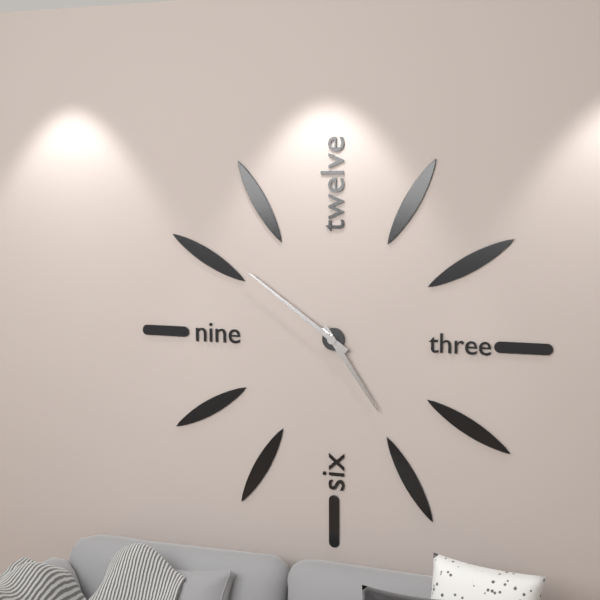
4:51
